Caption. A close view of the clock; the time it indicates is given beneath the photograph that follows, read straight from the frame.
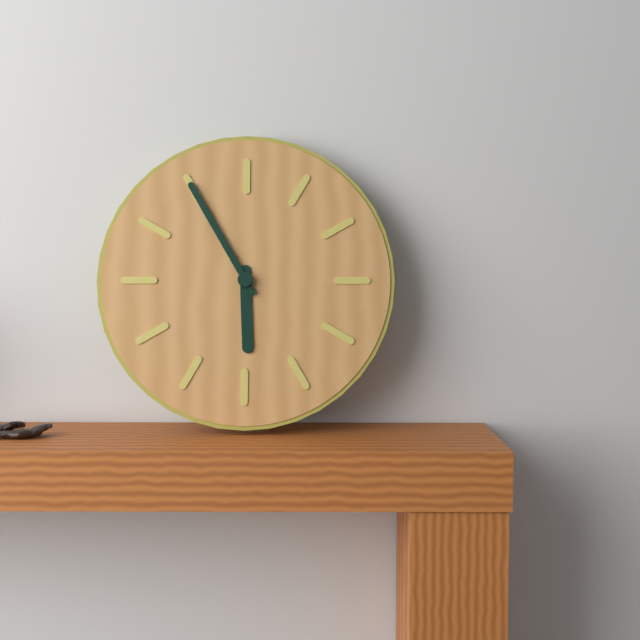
5:55
